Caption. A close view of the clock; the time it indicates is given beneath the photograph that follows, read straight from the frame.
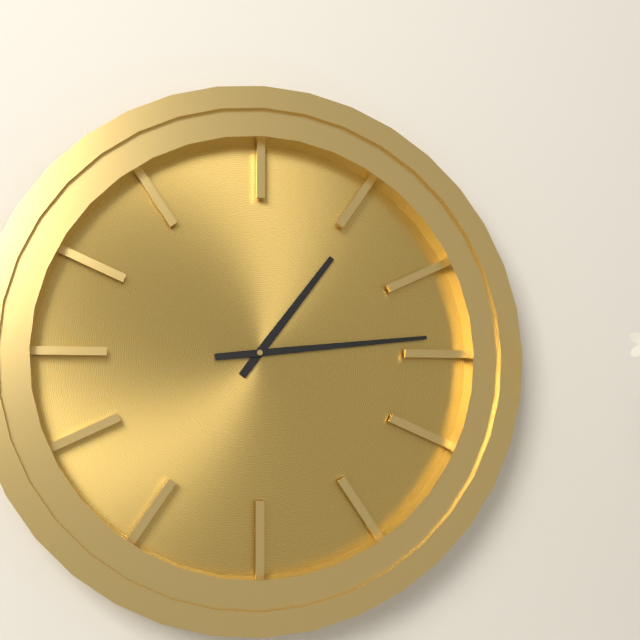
1:14
